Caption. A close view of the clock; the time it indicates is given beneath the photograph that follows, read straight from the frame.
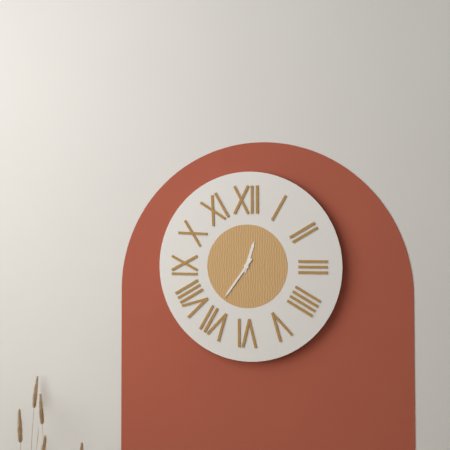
12:36
